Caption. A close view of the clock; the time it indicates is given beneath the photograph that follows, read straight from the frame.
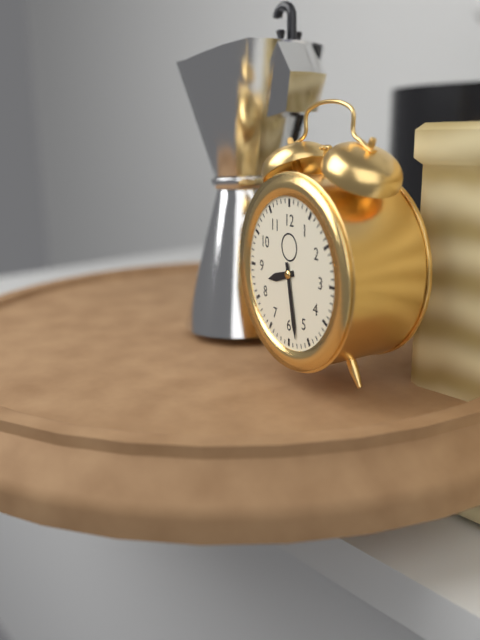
8:28
